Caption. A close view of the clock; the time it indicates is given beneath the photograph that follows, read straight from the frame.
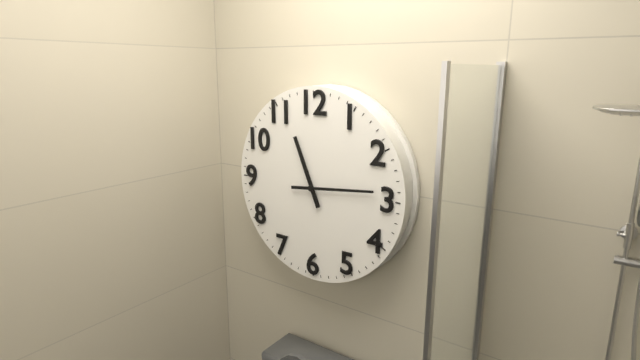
11:14
